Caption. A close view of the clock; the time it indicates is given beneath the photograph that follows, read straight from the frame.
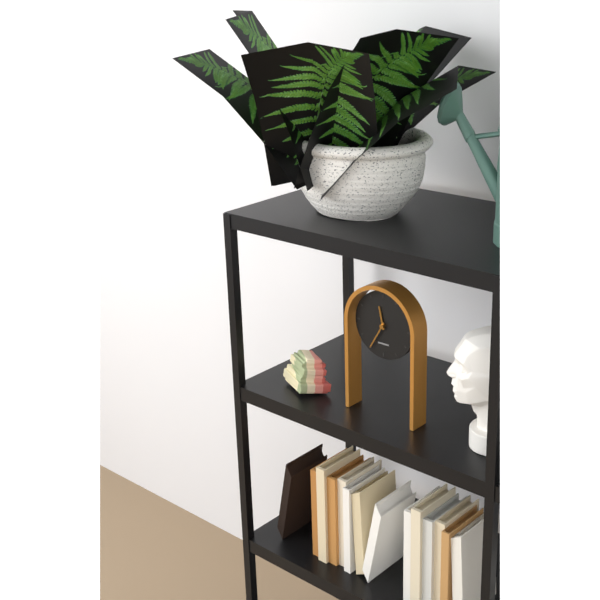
11:35
